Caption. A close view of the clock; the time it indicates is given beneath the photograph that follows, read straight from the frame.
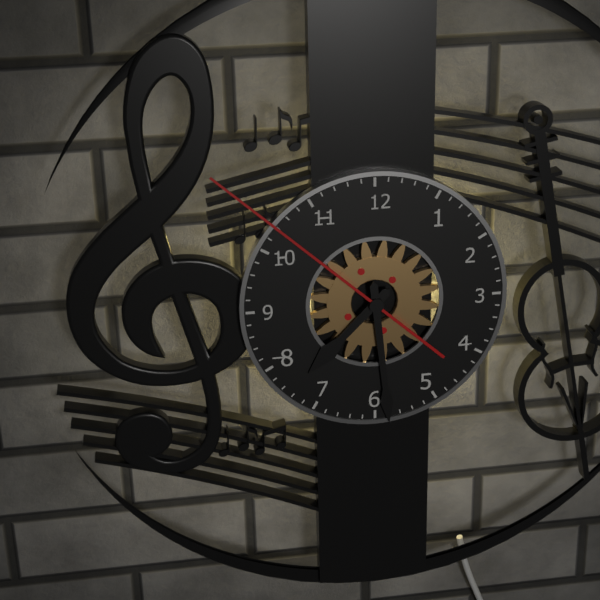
7:29:52
